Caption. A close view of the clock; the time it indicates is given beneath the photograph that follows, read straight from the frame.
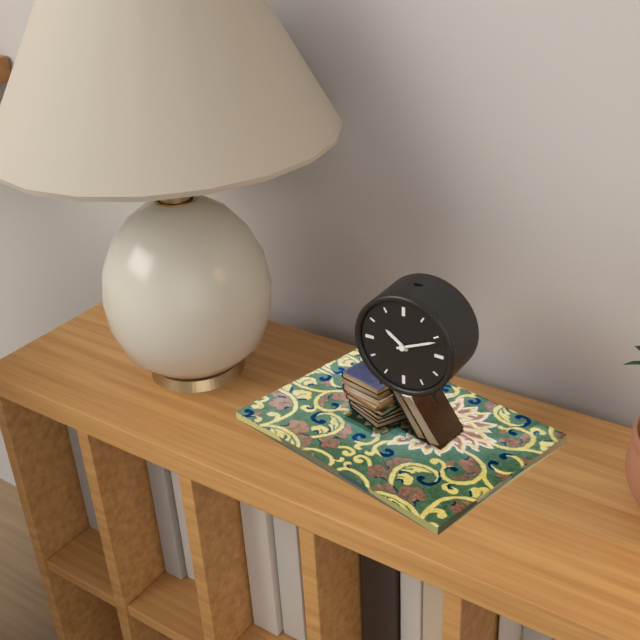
10:11
